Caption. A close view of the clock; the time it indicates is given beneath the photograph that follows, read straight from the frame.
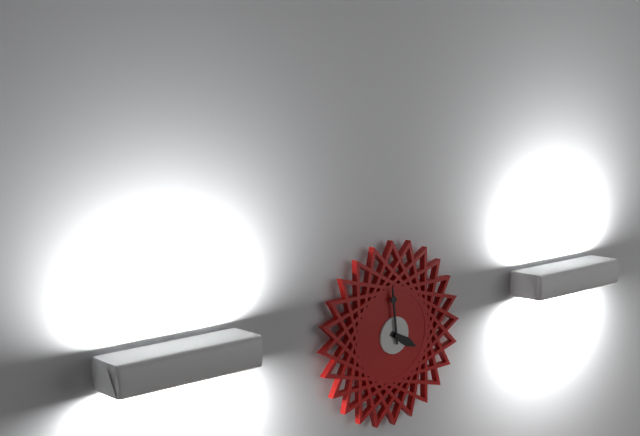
3:59
